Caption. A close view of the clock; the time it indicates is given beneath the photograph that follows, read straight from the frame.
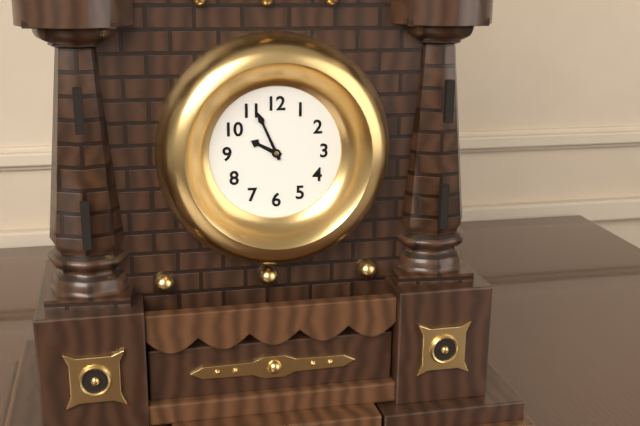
9:56
